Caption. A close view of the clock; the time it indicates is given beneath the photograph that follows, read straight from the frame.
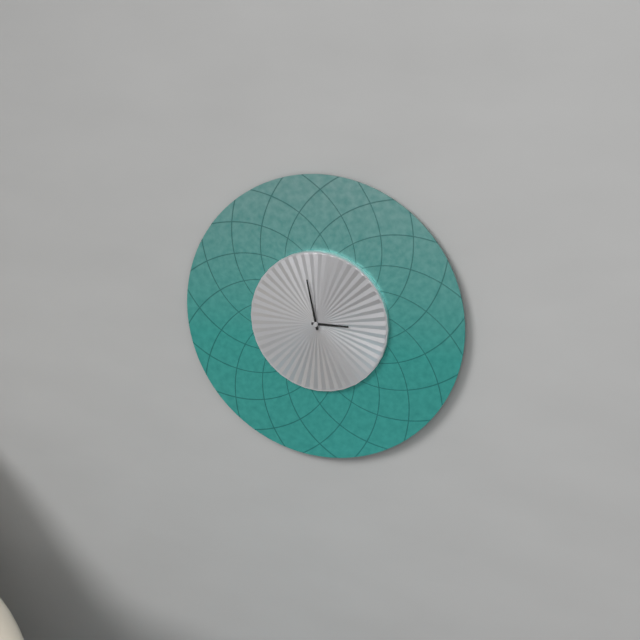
2:58
